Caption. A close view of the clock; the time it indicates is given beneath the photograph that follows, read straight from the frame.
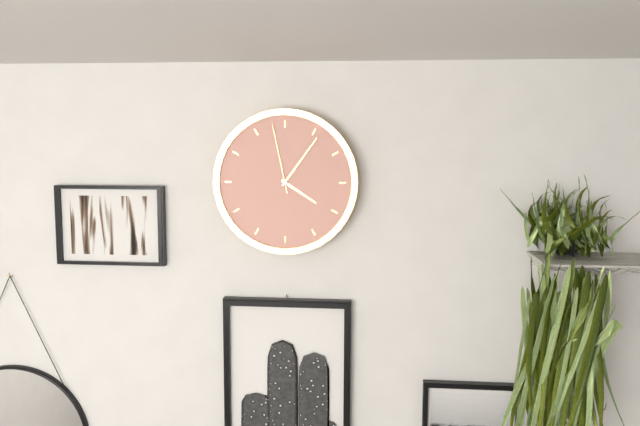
4:06:58
